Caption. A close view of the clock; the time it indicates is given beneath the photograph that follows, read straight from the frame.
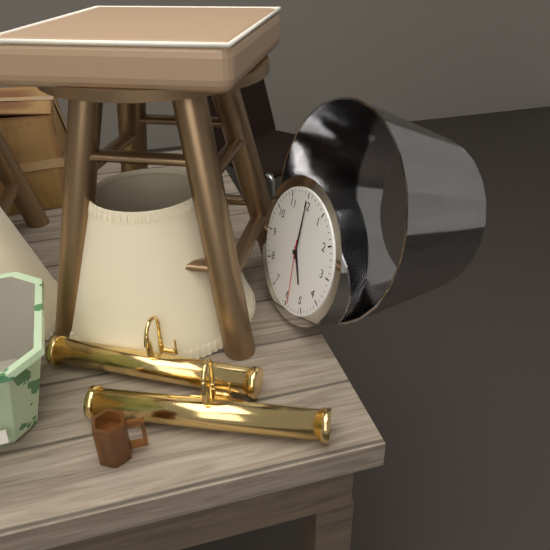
5:00:29
